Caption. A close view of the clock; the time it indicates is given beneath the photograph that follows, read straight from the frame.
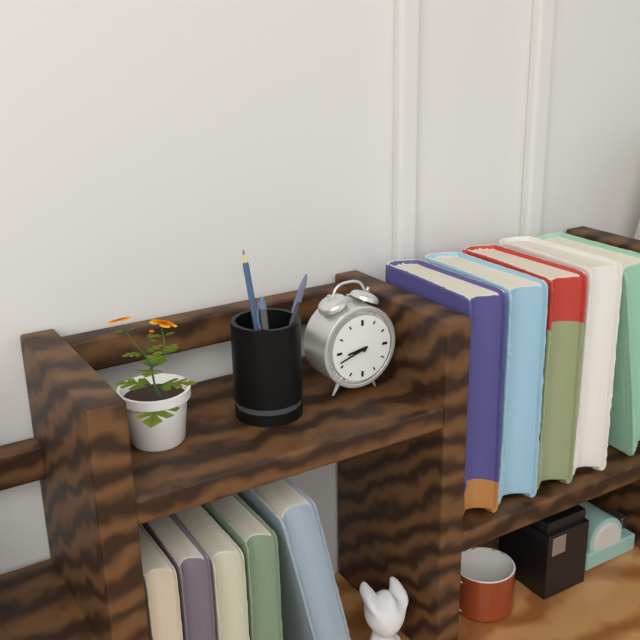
8:42
